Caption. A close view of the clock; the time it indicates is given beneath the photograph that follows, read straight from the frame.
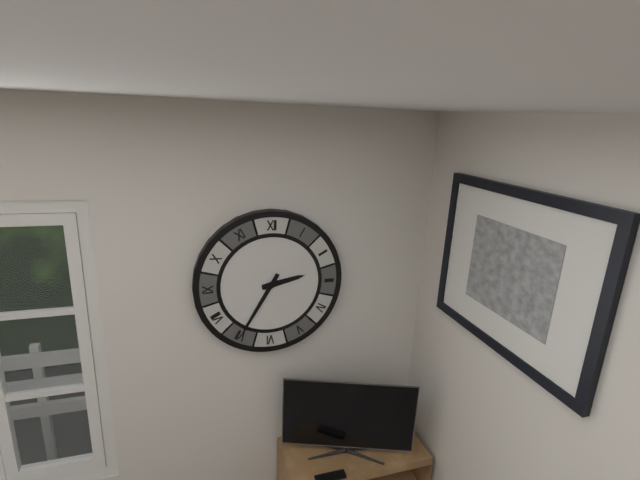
2:35
